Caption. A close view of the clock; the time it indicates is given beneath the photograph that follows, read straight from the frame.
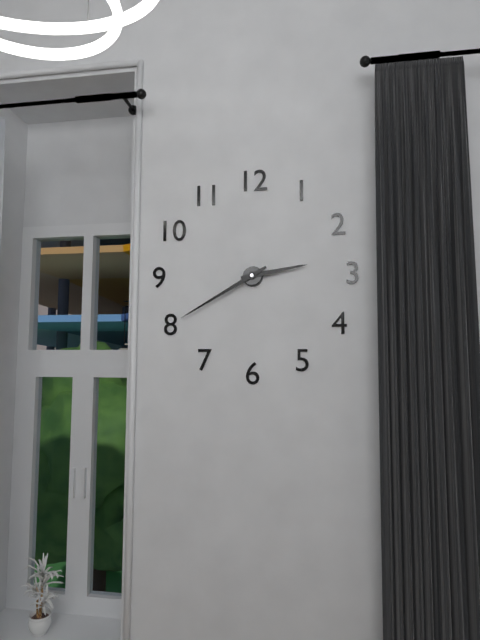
2:40
